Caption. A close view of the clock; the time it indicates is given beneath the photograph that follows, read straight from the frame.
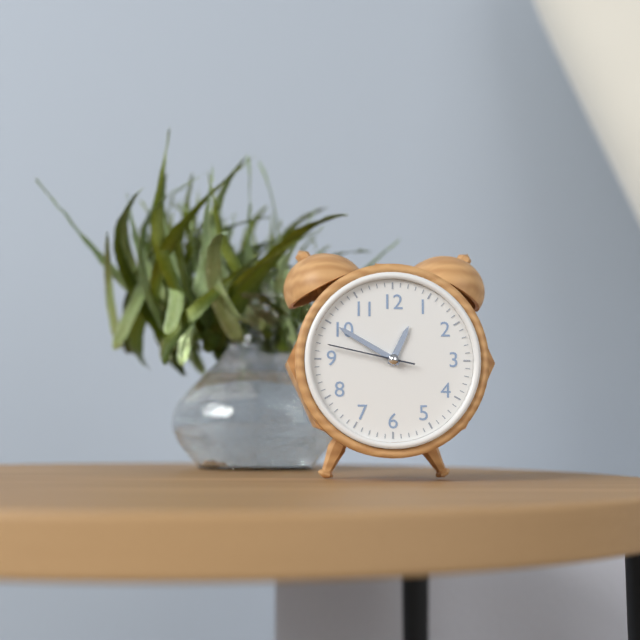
12:50:47
